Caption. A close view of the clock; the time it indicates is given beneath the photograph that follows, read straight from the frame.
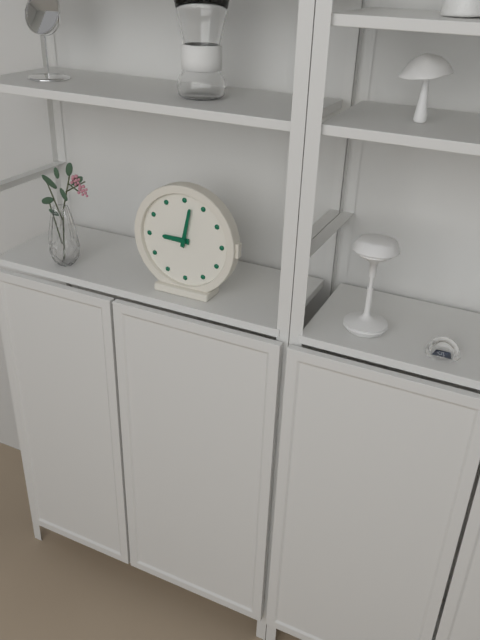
9:02
